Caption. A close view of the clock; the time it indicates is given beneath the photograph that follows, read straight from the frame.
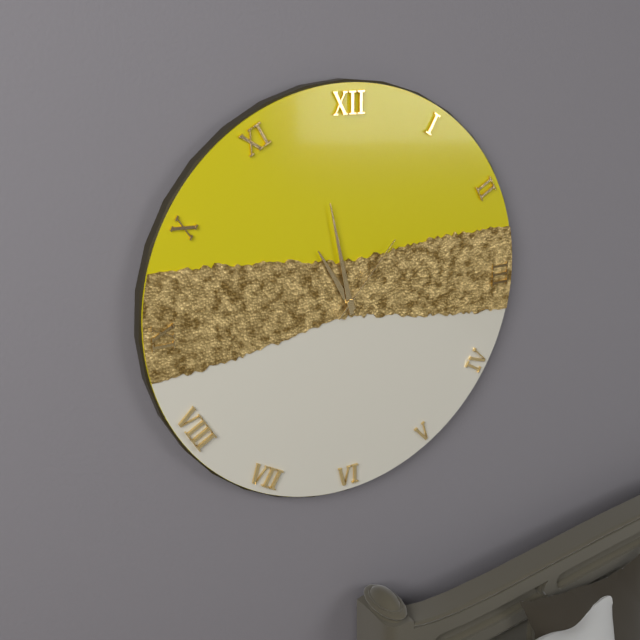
10:58:07
